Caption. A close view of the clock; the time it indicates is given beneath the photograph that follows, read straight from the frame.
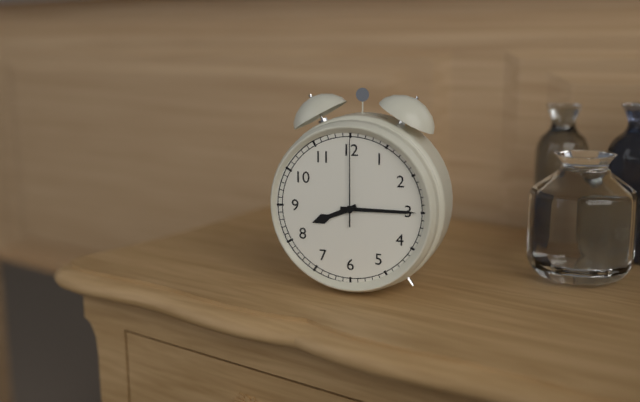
8:15:00
